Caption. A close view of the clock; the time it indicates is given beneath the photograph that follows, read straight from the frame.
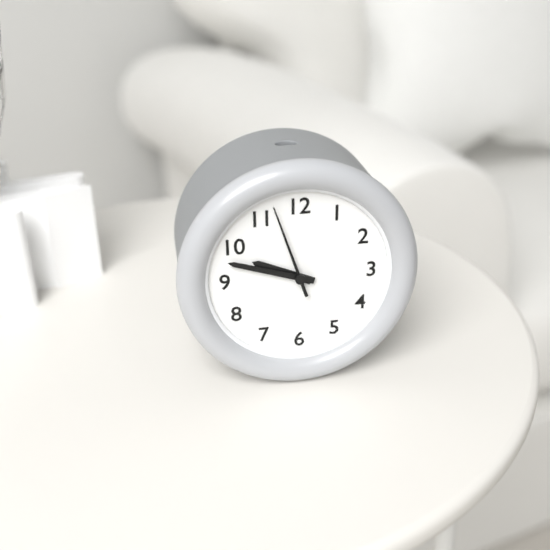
9:48:57
